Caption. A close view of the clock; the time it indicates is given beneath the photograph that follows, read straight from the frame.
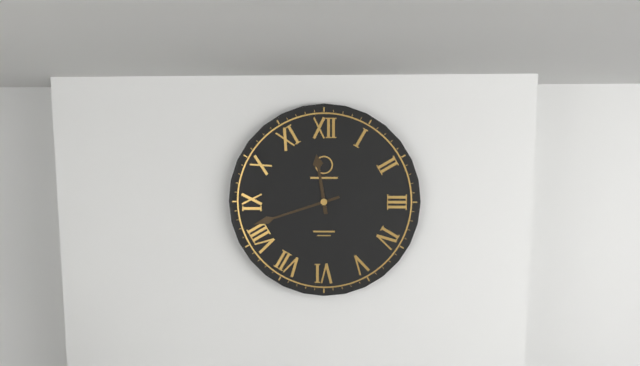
11:42
